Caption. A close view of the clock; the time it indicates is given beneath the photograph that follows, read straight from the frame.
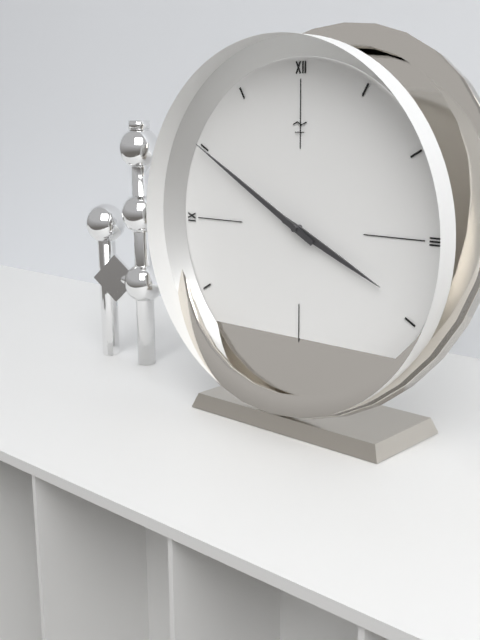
3:50
